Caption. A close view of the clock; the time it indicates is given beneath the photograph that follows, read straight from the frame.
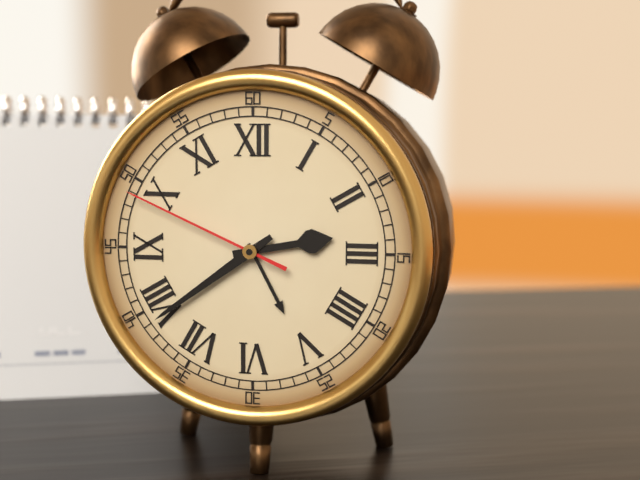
2:39:49
